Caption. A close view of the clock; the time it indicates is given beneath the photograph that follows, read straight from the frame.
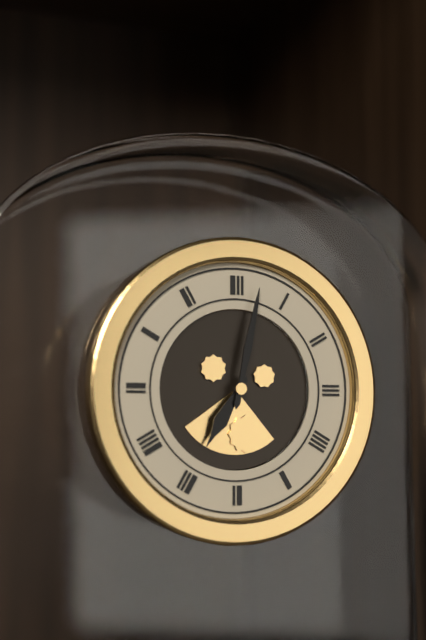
7:02
